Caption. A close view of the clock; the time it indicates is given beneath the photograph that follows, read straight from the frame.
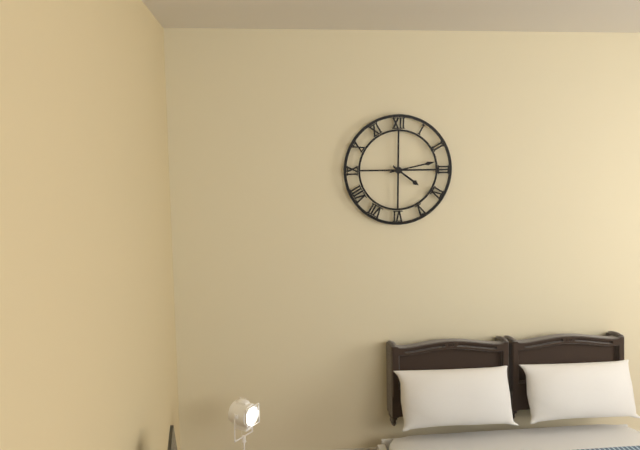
4:13
